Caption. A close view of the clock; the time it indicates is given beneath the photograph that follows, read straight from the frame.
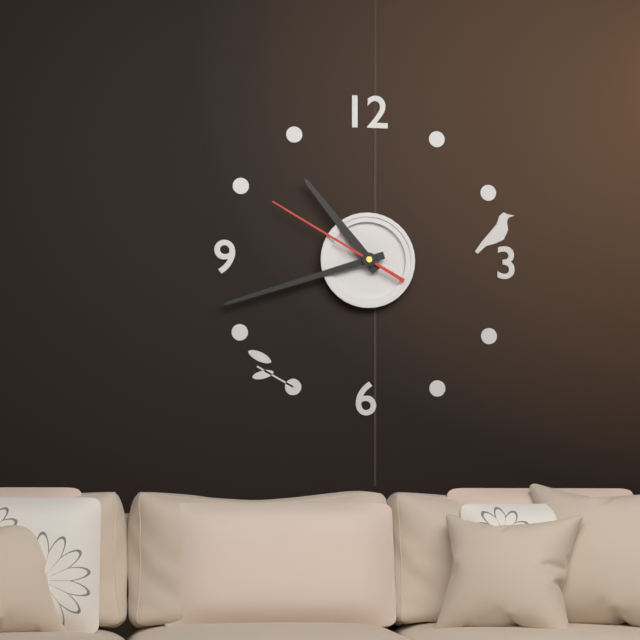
10:42:50
